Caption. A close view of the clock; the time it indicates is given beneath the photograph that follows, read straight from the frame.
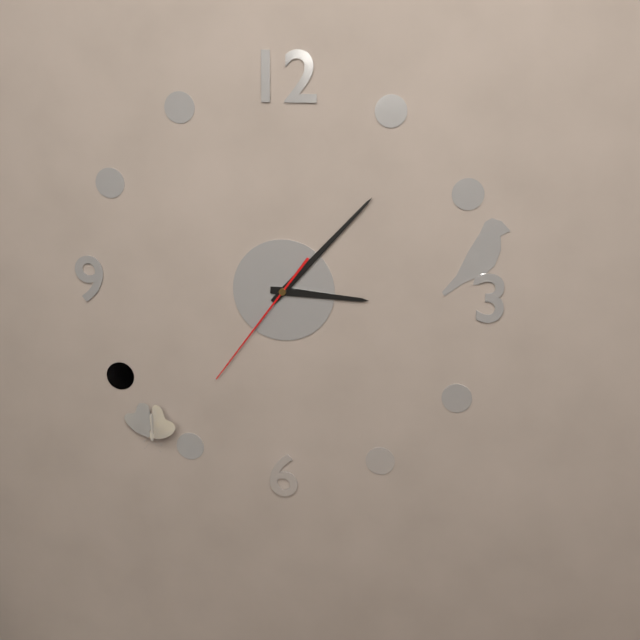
3:07:36
